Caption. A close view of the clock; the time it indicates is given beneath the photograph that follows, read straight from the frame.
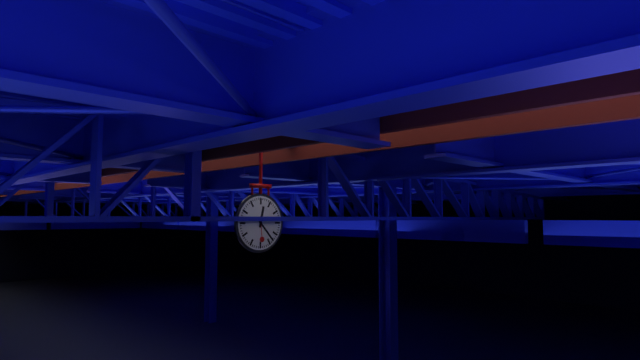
12:23
